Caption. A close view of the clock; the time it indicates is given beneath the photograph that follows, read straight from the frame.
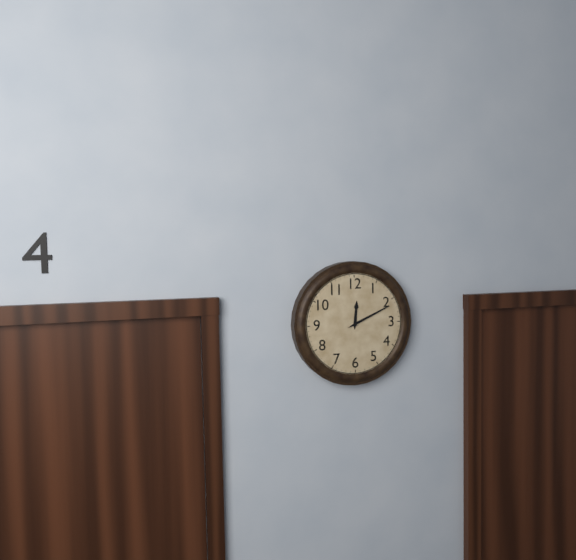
12:11
